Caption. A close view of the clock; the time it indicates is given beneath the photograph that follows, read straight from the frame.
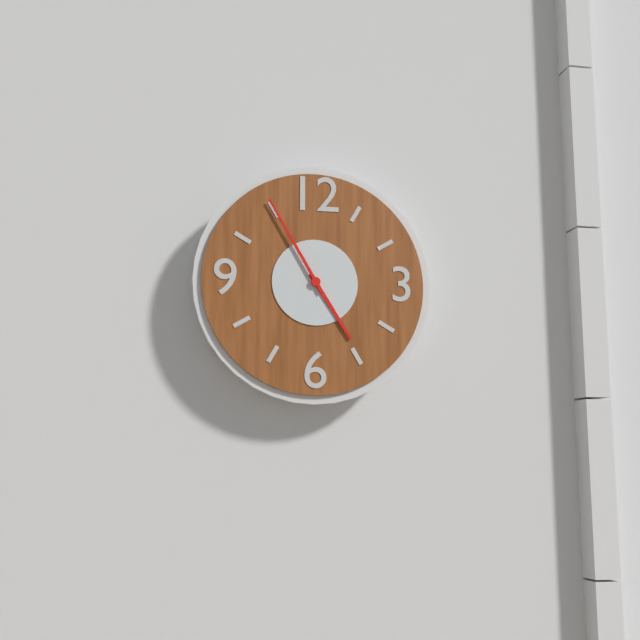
4:55
